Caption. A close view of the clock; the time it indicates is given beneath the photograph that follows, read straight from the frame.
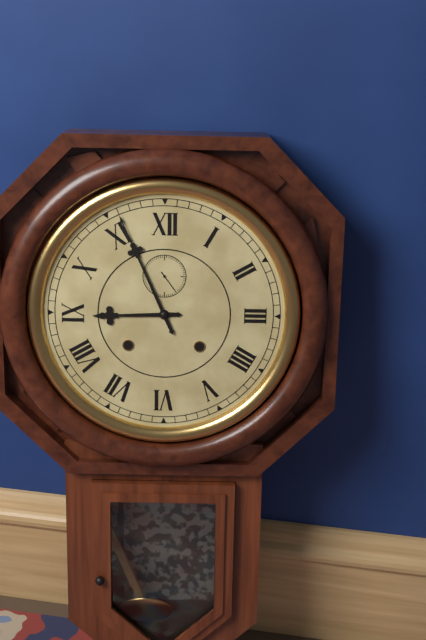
8:56
